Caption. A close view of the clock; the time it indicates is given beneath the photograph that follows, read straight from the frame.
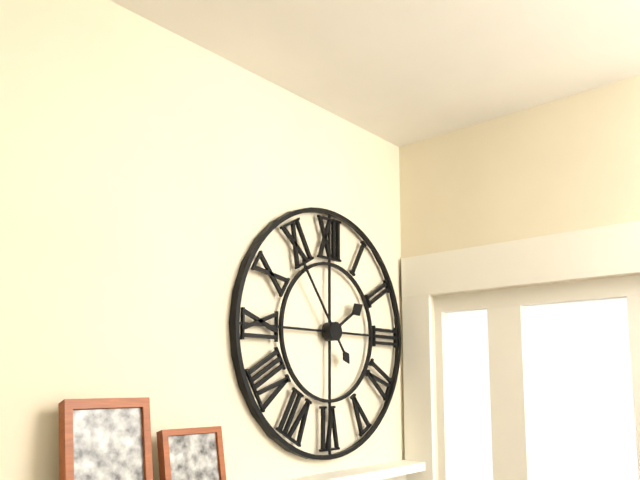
1:54
